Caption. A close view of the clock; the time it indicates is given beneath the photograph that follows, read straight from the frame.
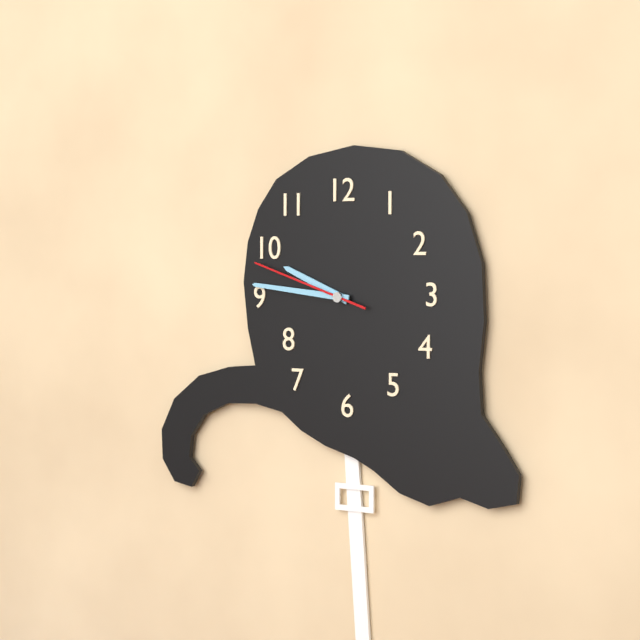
9:46:48
